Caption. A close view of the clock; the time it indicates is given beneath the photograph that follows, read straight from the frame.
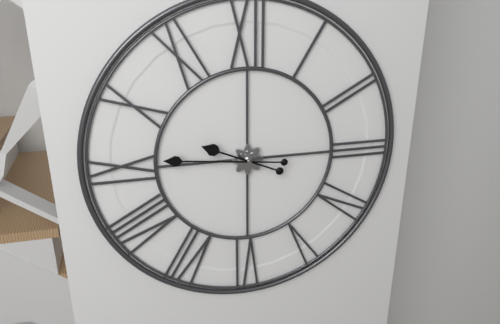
9:46
